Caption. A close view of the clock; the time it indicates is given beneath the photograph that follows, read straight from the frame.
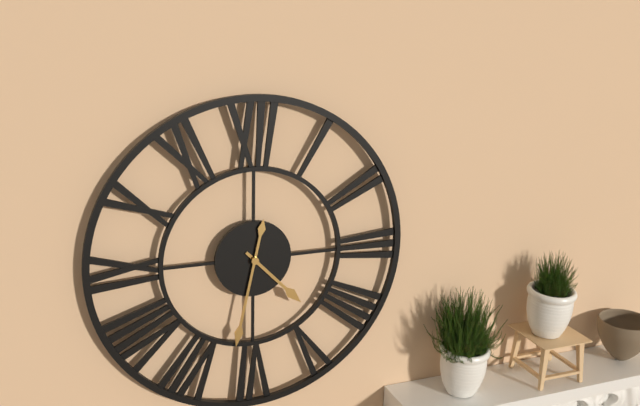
4:32
